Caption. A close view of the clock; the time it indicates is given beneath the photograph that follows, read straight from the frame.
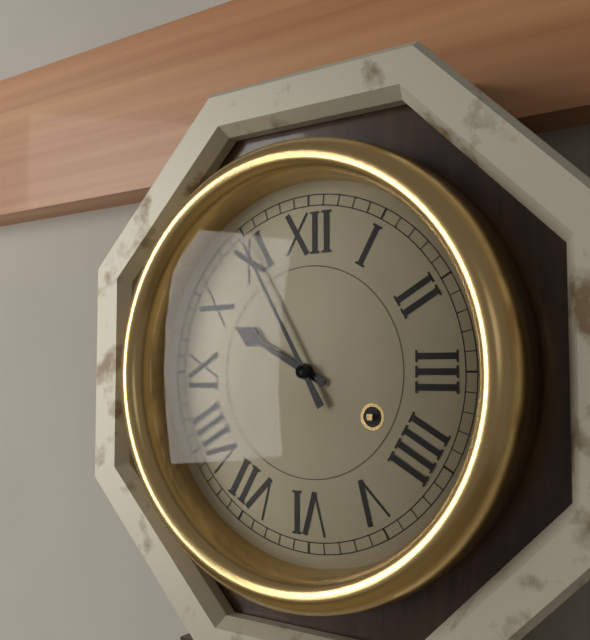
9:55
